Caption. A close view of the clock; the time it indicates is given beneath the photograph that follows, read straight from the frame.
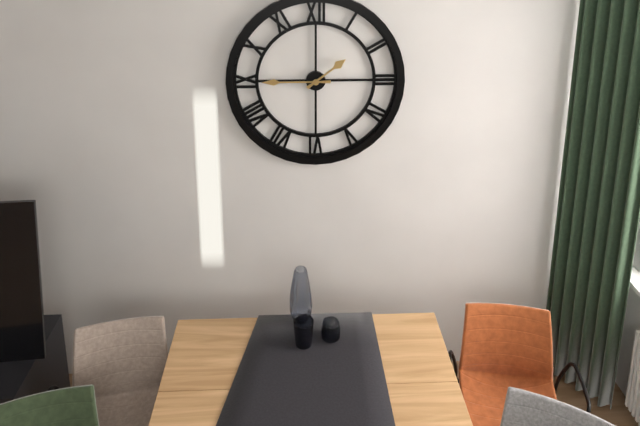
1:45
